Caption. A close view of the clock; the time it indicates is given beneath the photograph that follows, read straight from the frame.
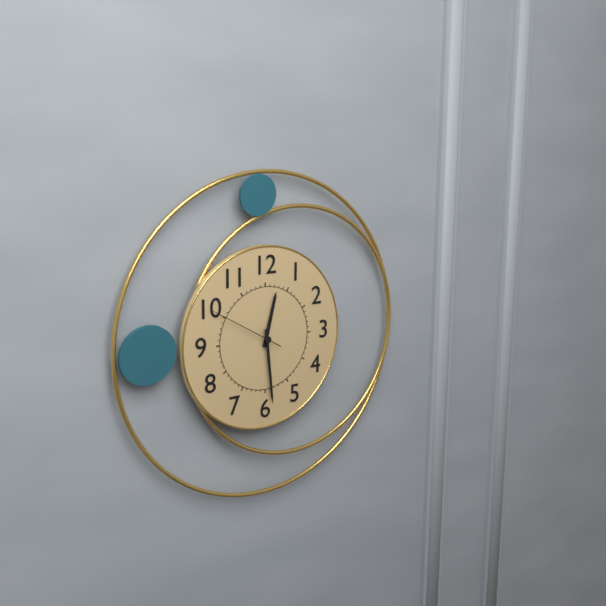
12:29:50
